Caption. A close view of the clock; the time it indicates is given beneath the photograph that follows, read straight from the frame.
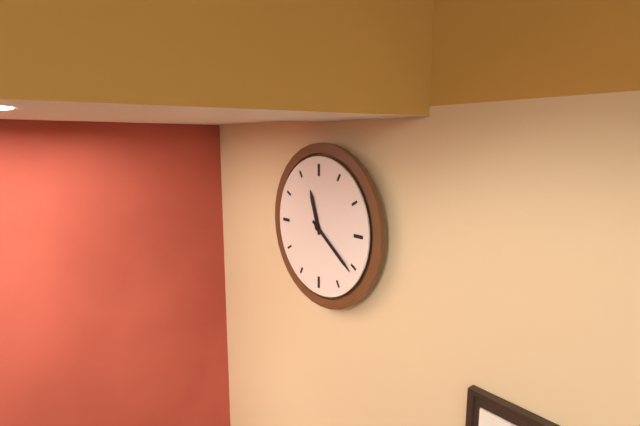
11:21
